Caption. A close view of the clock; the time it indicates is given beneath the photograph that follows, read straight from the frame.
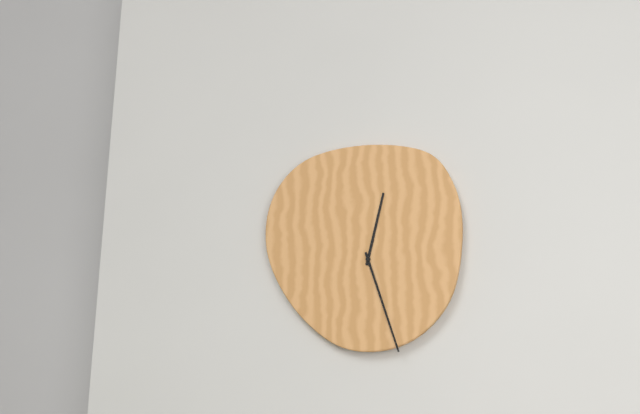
12:27
